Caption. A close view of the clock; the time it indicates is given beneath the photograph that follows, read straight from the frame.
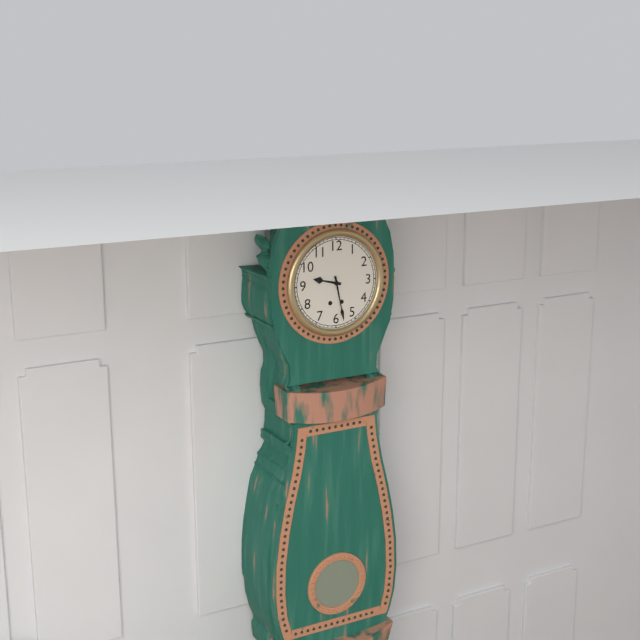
9:28
